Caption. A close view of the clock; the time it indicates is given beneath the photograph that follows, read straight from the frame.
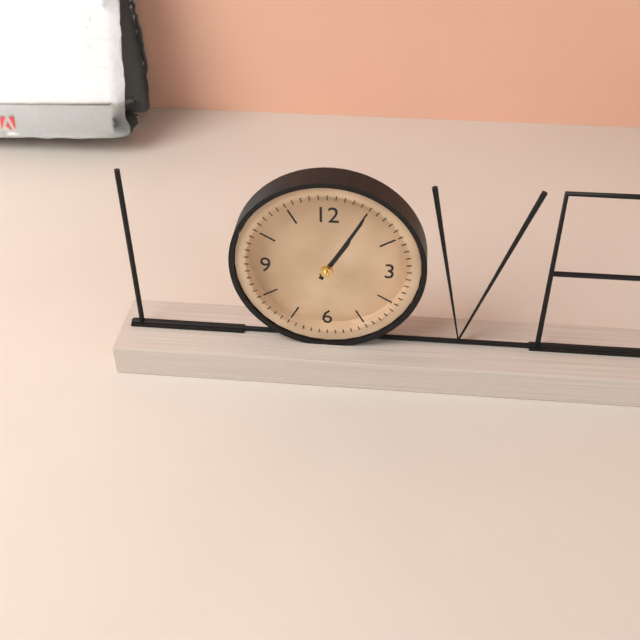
1:05
